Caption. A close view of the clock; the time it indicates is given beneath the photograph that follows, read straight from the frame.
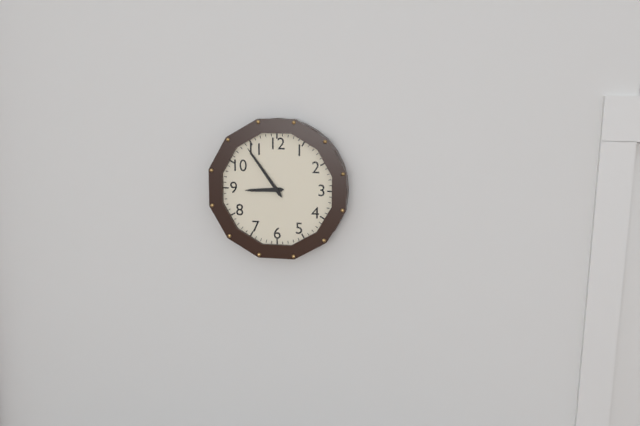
8:54
